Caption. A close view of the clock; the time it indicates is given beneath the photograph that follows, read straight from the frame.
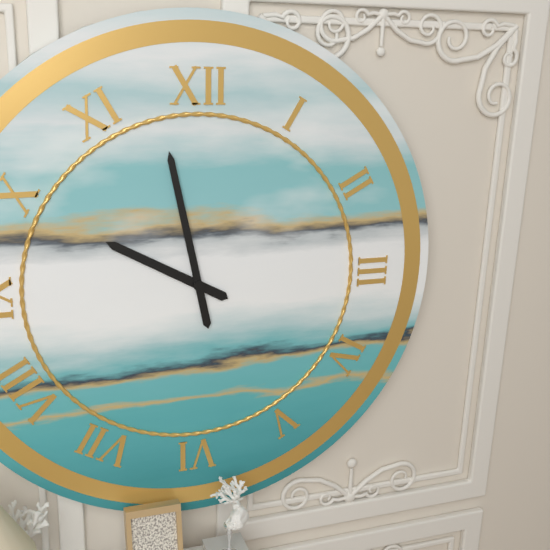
9:58
